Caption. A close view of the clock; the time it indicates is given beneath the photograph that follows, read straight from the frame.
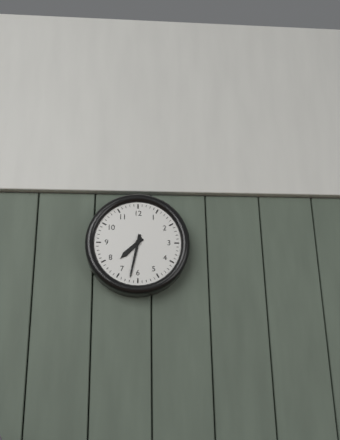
7:32
